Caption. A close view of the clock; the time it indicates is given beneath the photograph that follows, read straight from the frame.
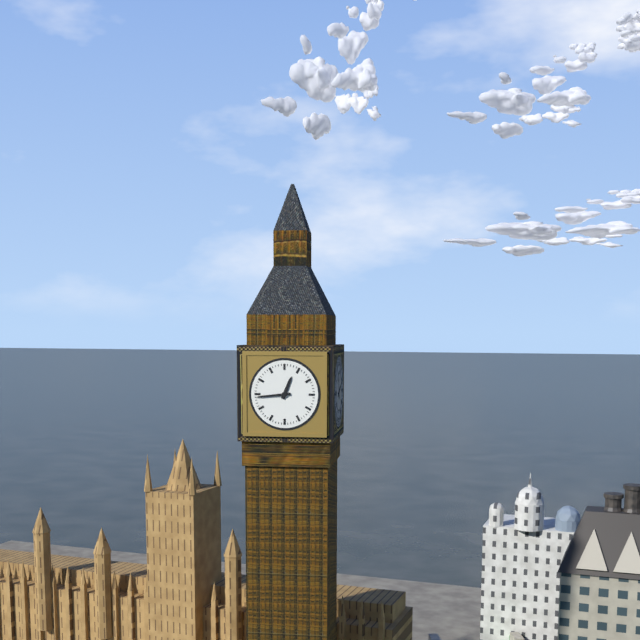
12:44
